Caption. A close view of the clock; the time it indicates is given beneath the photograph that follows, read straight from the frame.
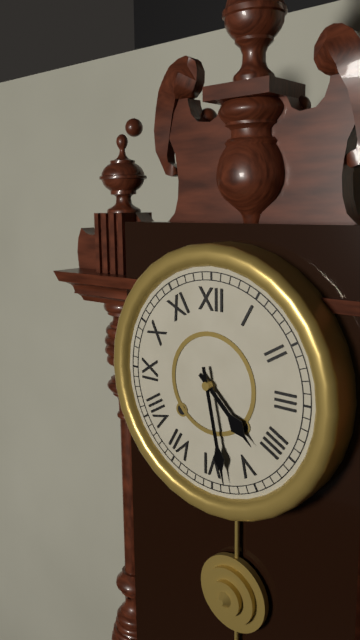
4:28
